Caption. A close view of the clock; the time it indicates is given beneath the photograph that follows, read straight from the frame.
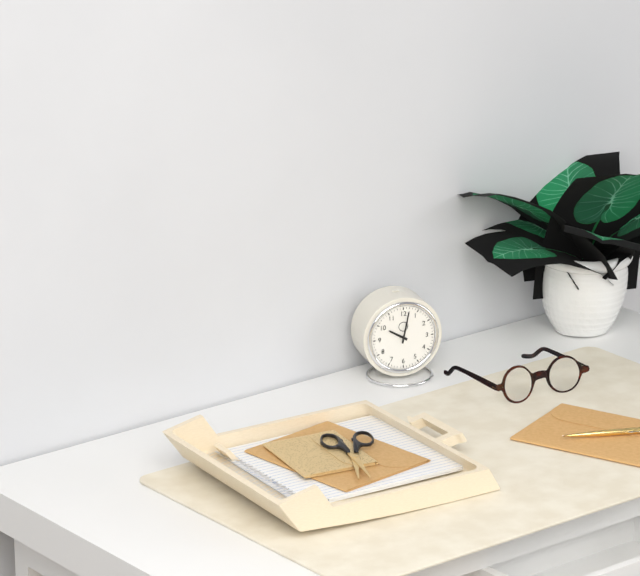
10:02
